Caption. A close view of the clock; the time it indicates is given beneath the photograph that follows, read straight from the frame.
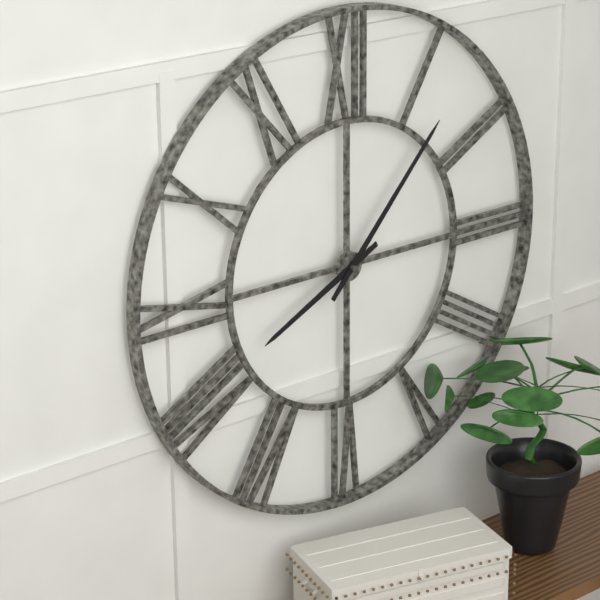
8:07
